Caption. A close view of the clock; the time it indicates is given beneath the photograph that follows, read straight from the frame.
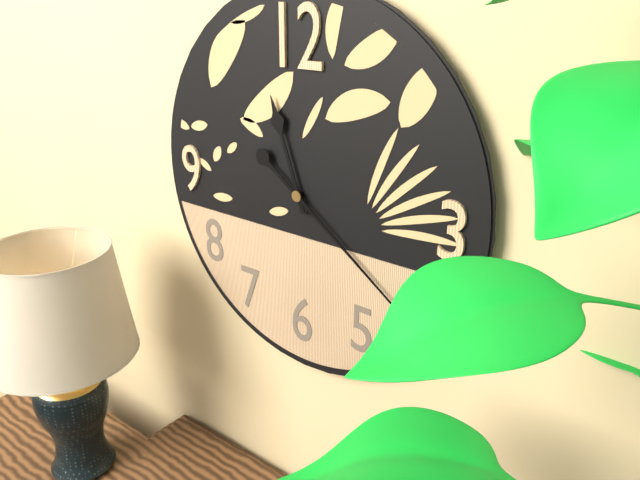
11:21
